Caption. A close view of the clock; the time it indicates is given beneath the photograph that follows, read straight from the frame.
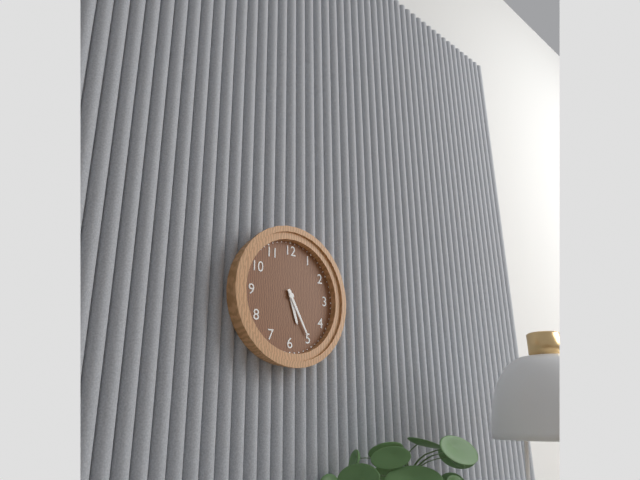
5:25
